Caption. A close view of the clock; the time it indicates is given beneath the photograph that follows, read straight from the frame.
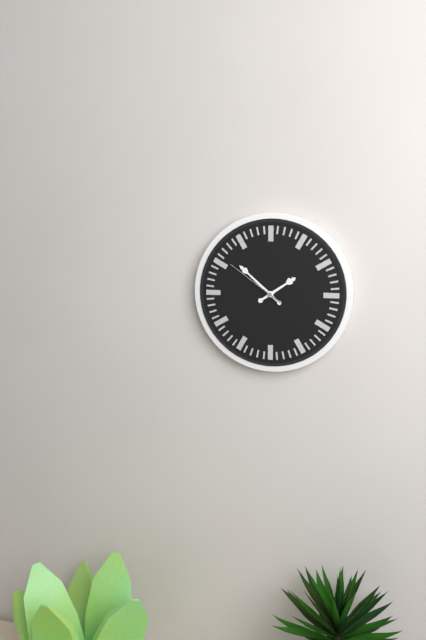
1:52:51
